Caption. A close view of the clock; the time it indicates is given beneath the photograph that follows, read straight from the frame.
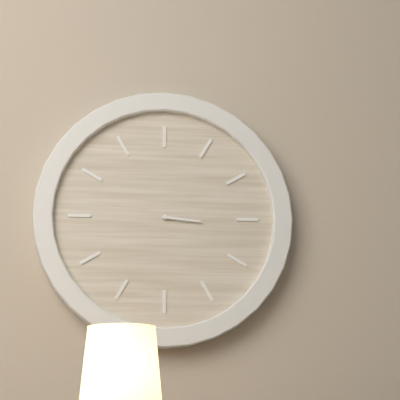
3:16
